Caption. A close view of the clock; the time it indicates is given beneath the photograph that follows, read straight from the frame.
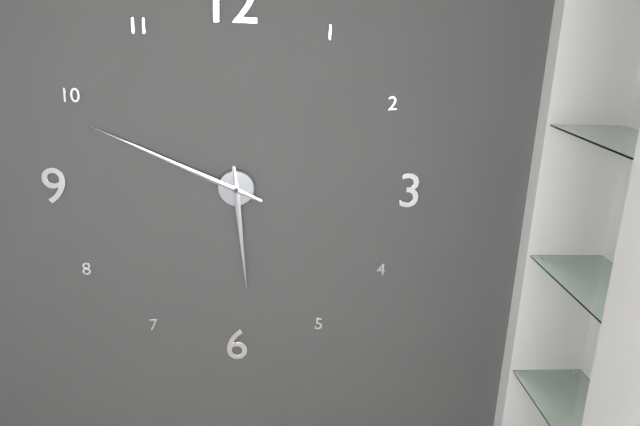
5:49
